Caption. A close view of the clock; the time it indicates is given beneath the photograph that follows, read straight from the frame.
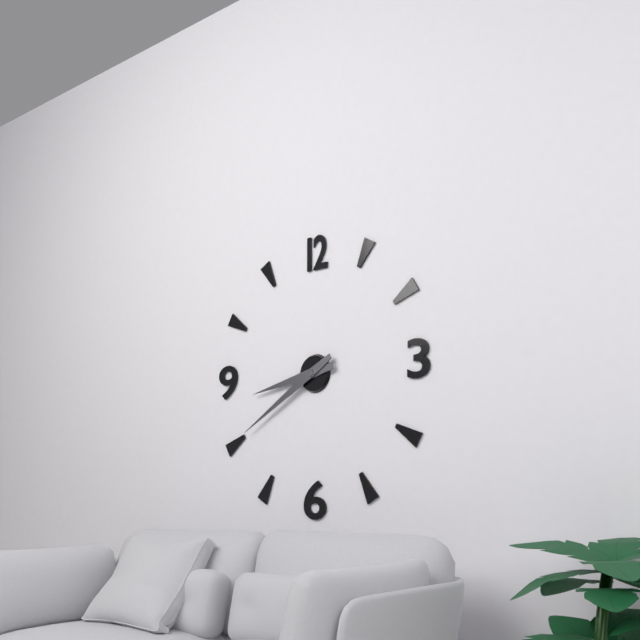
8:40
